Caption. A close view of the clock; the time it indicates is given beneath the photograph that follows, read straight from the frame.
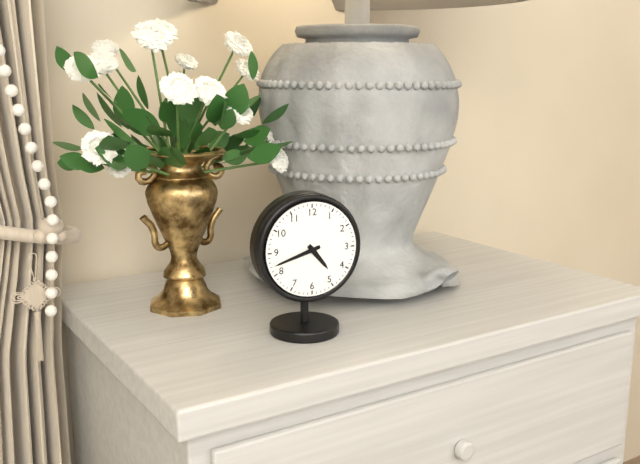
4:42
